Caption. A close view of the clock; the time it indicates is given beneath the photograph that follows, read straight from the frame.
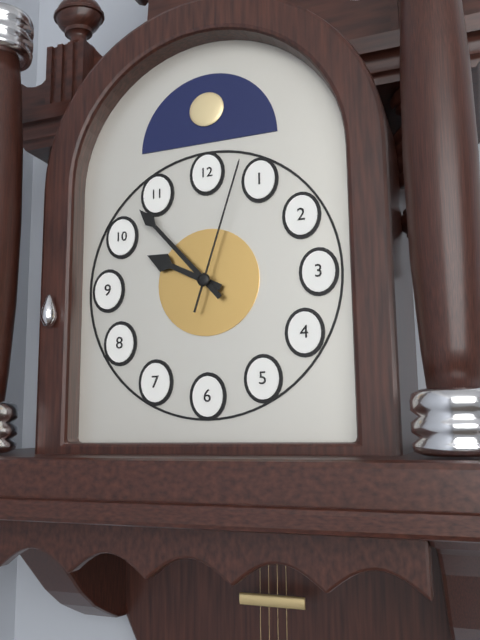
9:53:03
